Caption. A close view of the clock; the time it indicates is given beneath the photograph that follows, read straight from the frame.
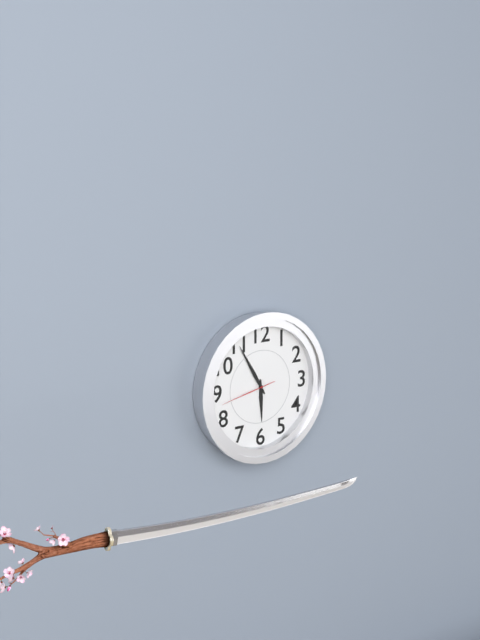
5:55:43
